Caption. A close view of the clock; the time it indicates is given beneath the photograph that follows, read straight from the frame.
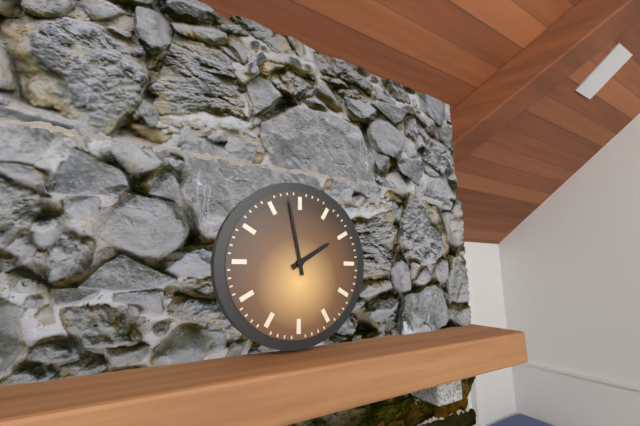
1:58
